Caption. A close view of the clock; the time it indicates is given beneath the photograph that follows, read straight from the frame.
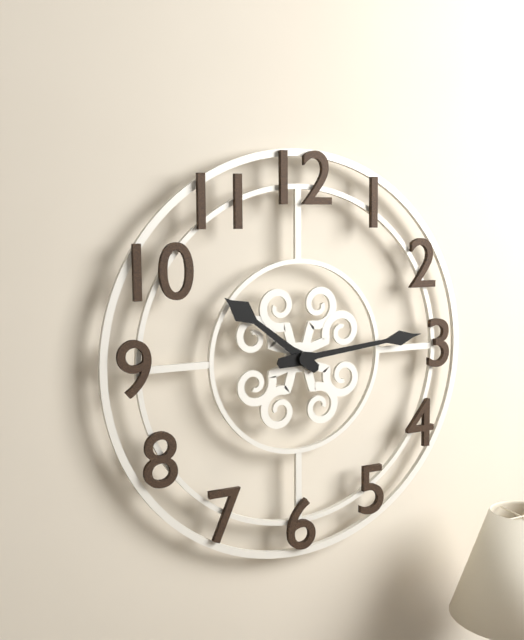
10:14
